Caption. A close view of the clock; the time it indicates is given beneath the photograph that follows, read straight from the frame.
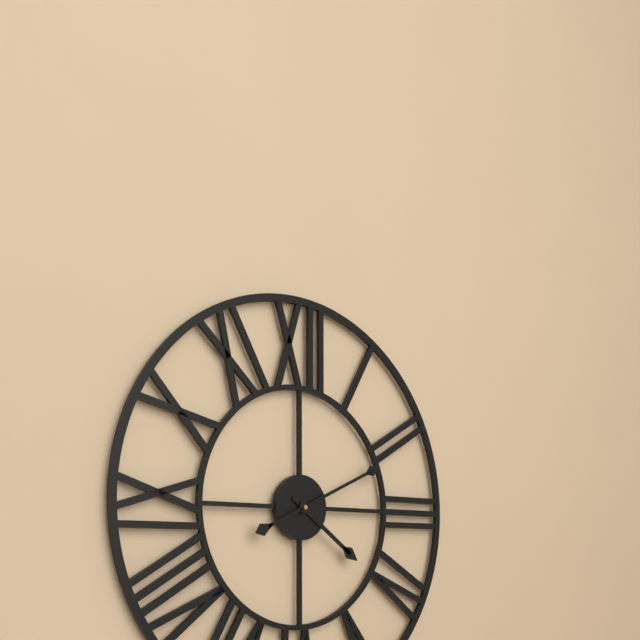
4:11
